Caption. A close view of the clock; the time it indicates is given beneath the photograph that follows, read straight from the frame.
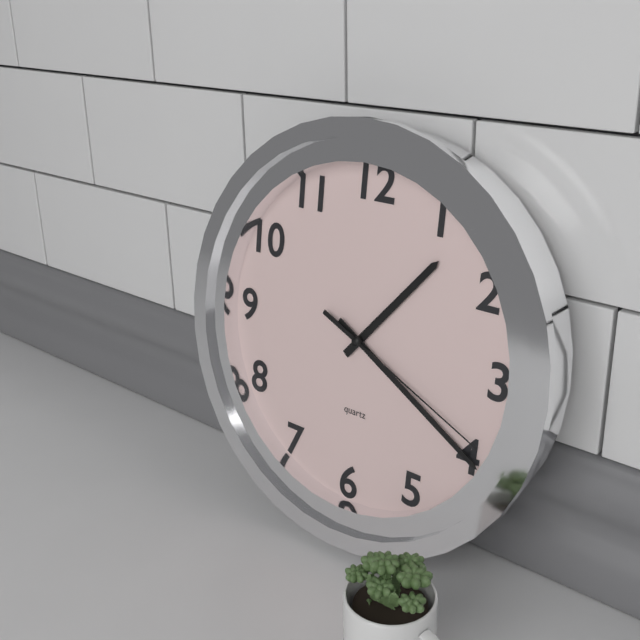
1:20:19
